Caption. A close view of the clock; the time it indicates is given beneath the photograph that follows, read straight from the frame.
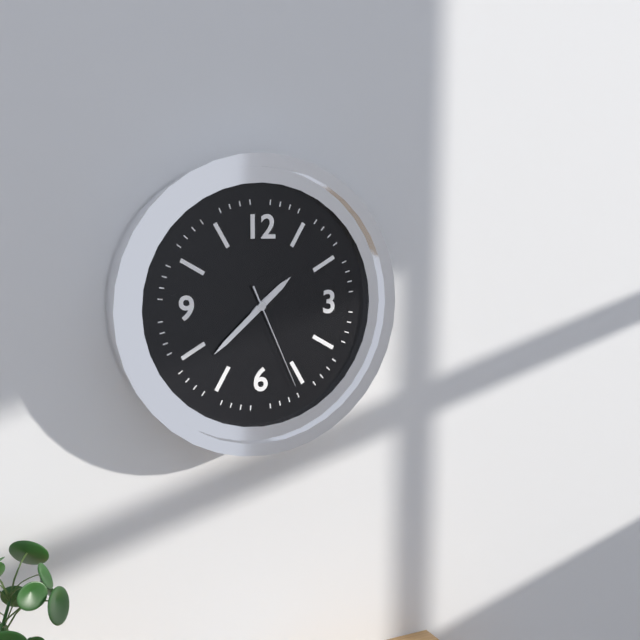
1:38:26
